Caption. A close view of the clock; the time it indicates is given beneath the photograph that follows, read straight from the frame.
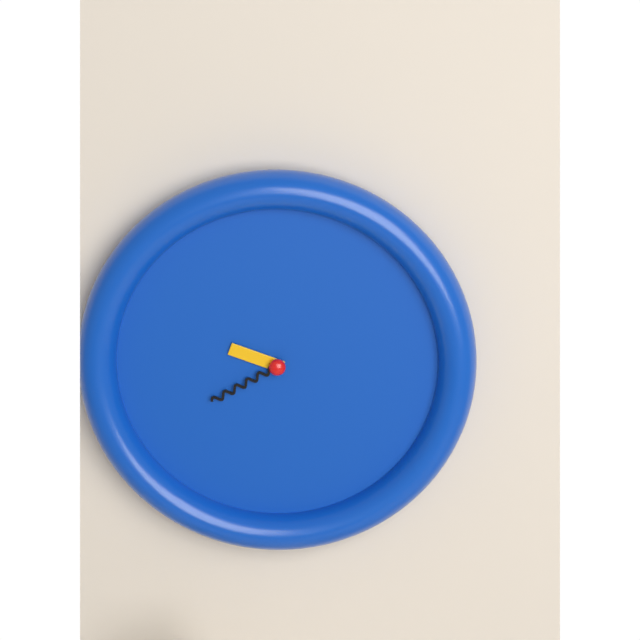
9:40
